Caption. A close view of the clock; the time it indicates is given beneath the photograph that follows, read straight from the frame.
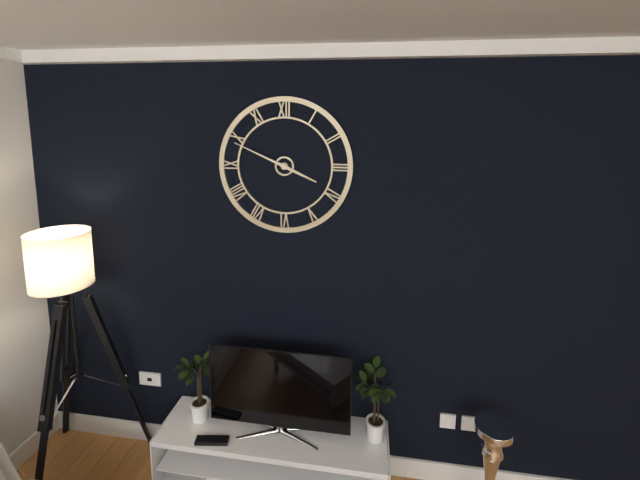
3:49
